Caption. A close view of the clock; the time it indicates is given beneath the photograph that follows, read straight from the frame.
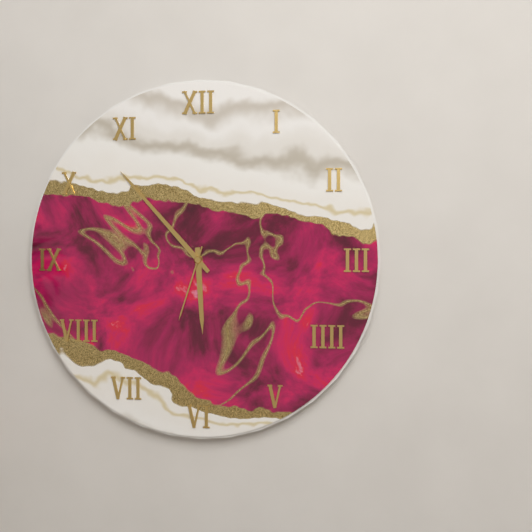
5:53:33
